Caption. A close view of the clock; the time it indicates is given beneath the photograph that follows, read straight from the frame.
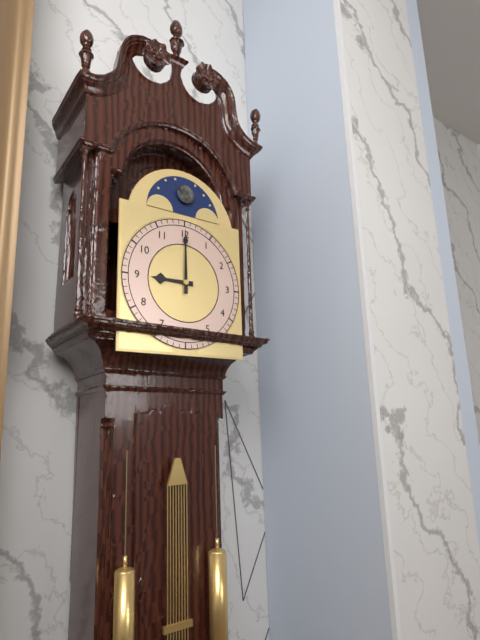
9:00
